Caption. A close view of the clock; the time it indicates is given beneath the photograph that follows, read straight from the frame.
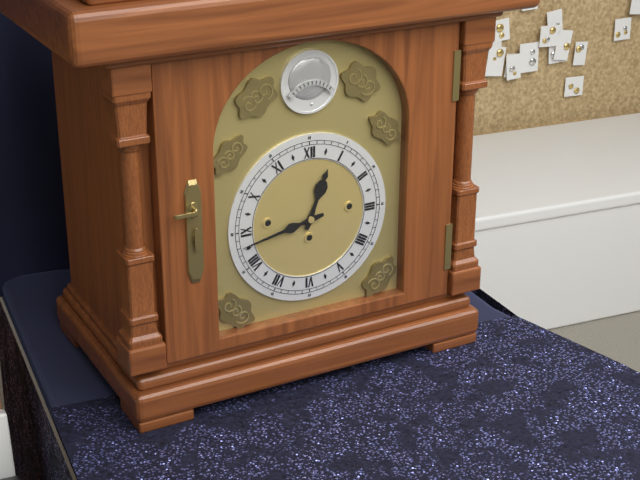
12:43
